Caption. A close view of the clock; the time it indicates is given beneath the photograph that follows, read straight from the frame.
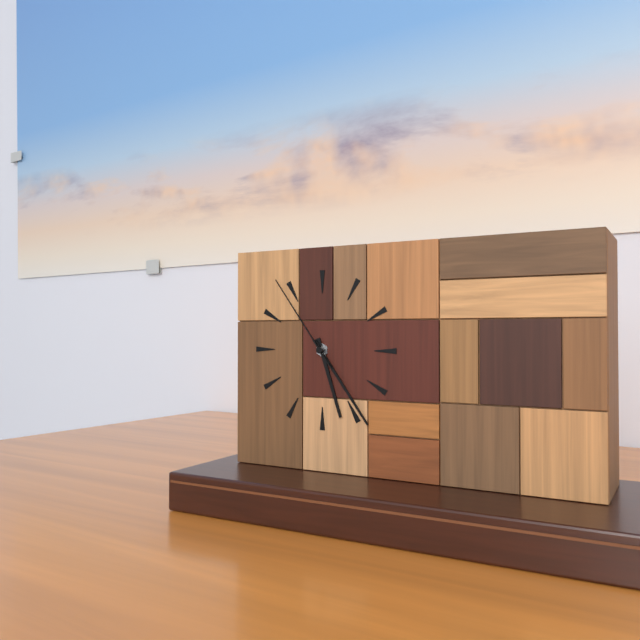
5:24:54
